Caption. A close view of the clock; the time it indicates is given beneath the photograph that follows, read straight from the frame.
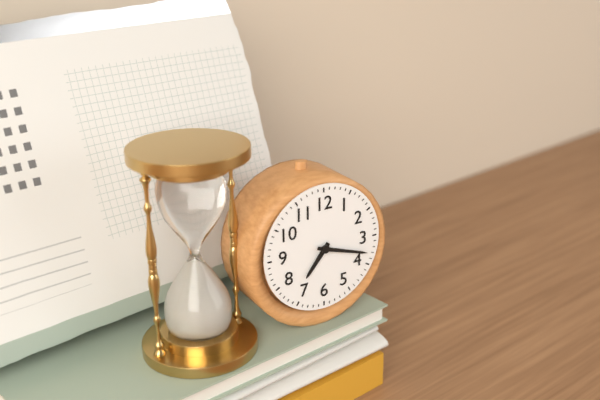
7:18
